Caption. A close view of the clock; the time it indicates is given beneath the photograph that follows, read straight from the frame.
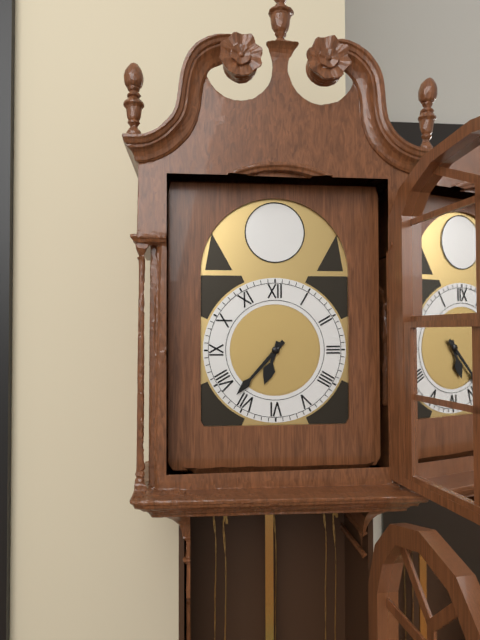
6:37
